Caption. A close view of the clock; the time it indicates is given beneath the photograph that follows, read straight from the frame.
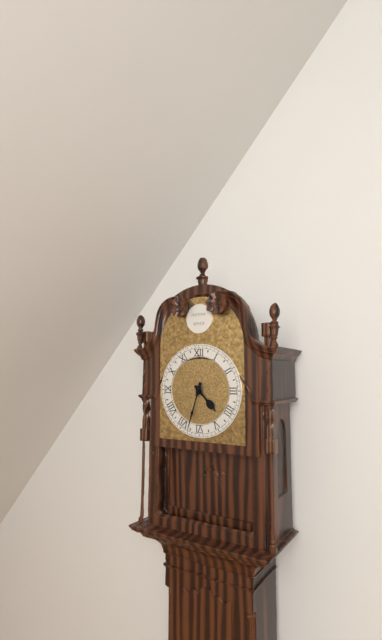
4:33
